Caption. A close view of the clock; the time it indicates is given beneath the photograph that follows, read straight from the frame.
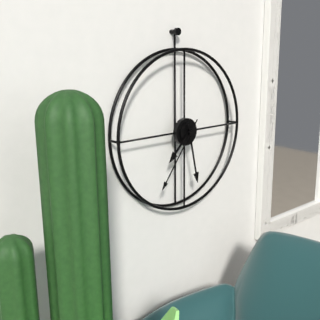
7:28:36
